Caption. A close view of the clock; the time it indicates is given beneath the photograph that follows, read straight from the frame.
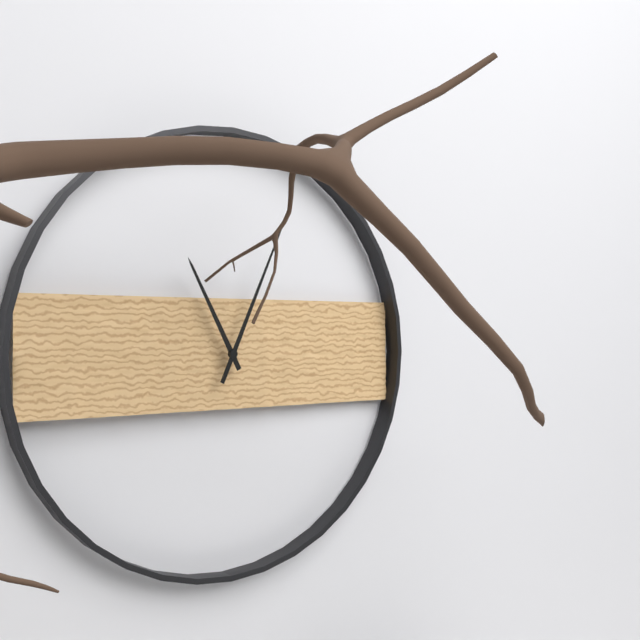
11:04
